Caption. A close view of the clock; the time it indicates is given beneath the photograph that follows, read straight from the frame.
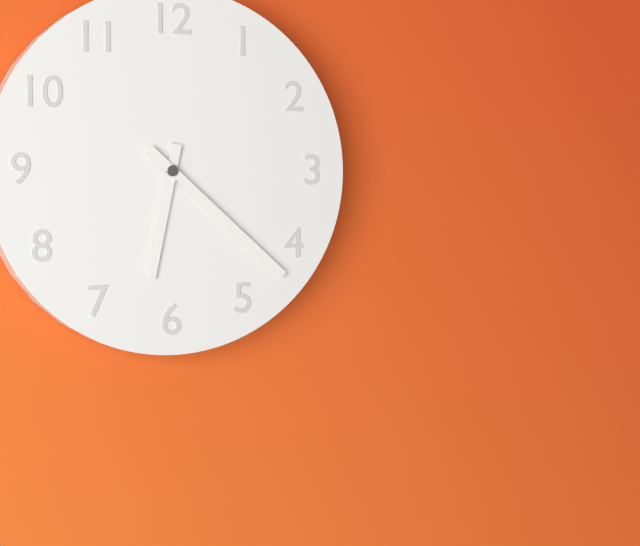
6:22
